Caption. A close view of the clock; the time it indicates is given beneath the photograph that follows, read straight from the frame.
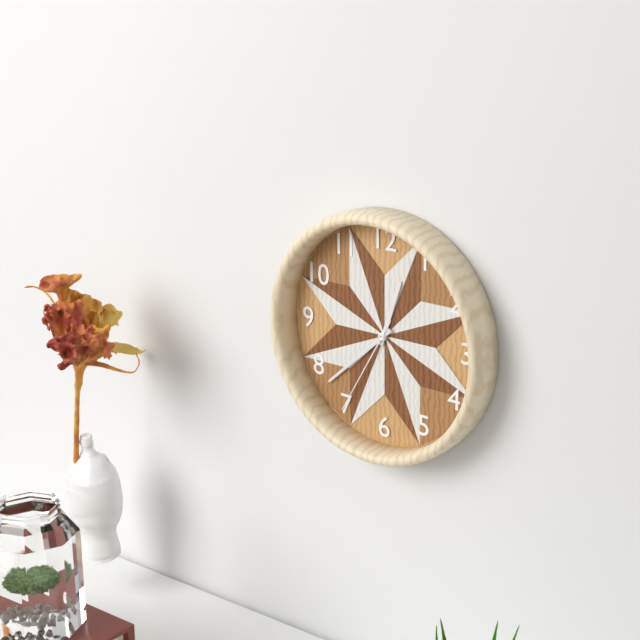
12:38:35
